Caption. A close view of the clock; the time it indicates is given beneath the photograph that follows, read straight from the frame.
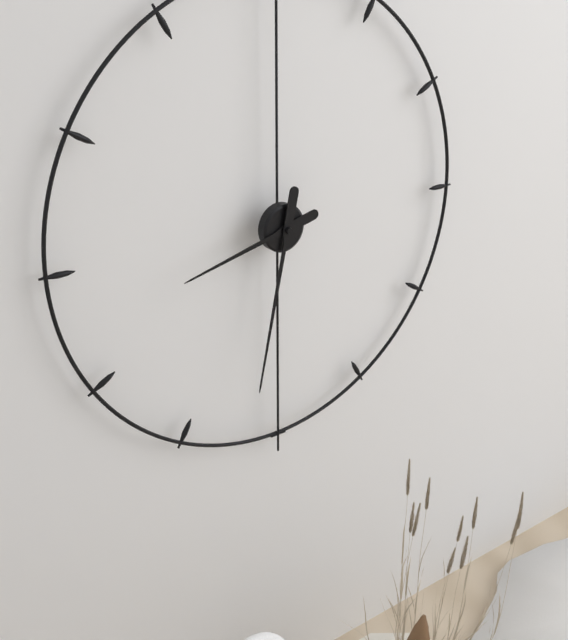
8:32
